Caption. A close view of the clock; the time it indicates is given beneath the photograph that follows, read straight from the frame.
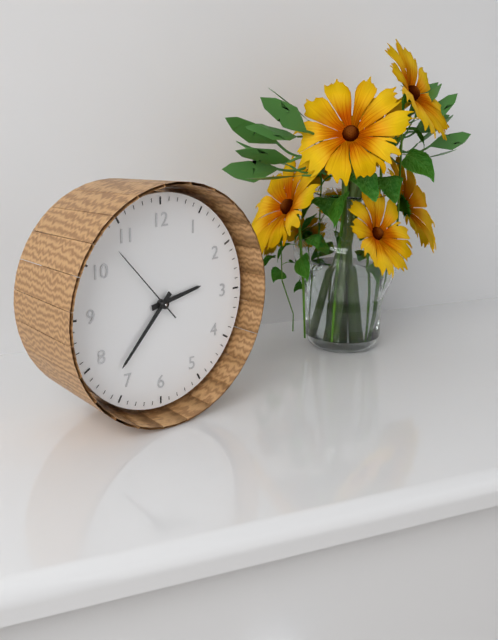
2:37:53
